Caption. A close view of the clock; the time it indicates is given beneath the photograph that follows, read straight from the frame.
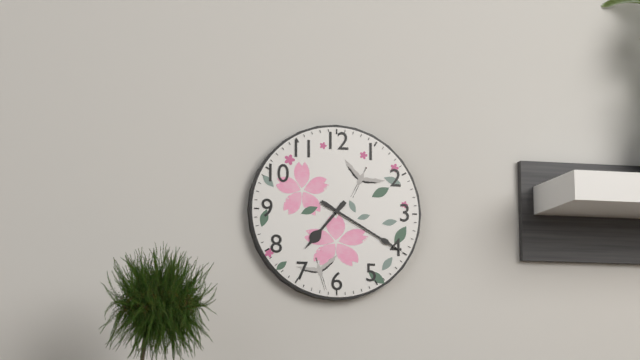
7:20
